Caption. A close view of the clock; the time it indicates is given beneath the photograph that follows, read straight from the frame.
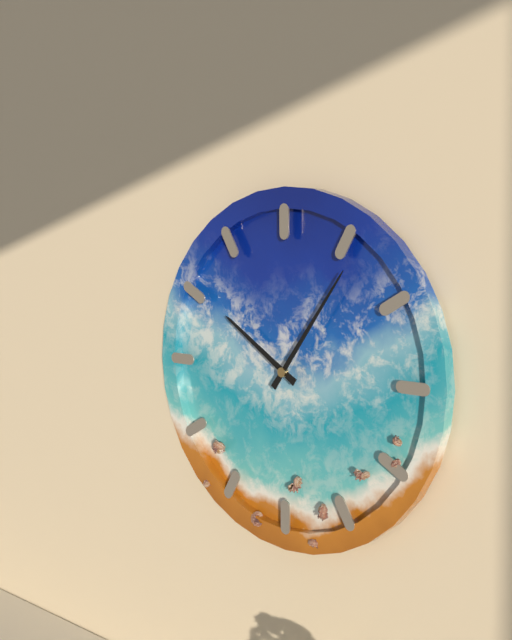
10:06
